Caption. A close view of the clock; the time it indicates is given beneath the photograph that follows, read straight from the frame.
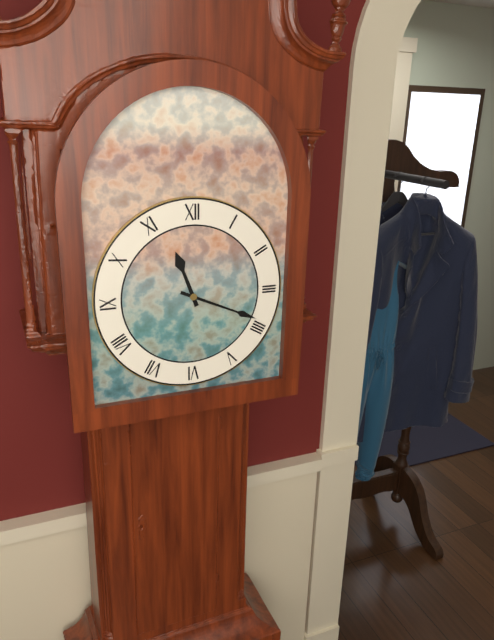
11:19
